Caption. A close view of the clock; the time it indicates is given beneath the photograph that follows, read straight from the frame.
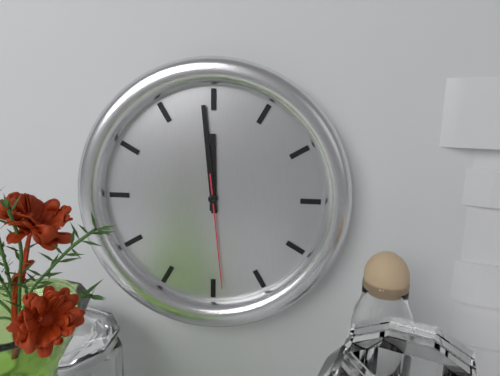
11:59:29
